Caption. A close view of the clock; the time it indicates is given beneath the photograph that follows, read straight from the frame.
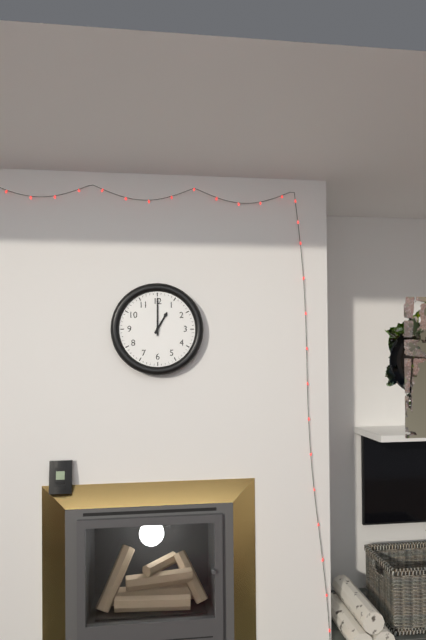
1:00
